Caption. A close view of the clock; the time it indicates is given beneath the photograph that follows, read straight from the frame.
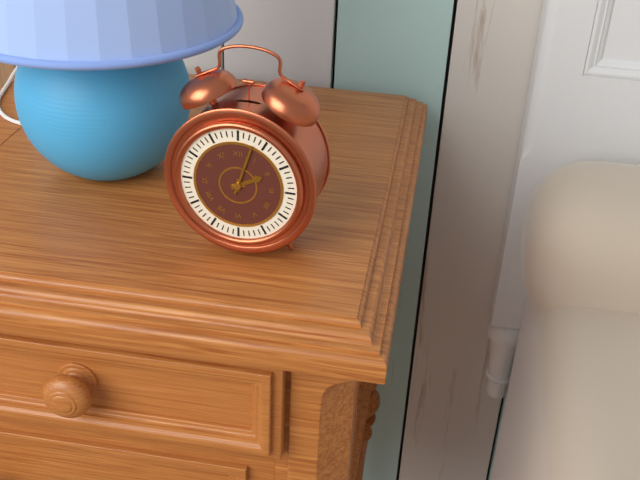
2:03
